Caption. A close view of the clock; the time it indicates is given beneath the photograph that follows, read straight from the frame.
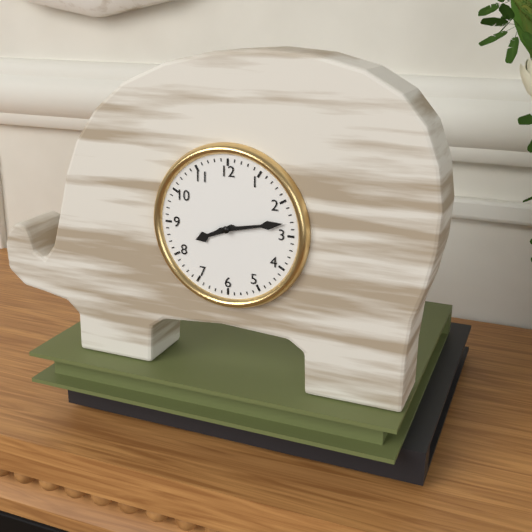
8:13
